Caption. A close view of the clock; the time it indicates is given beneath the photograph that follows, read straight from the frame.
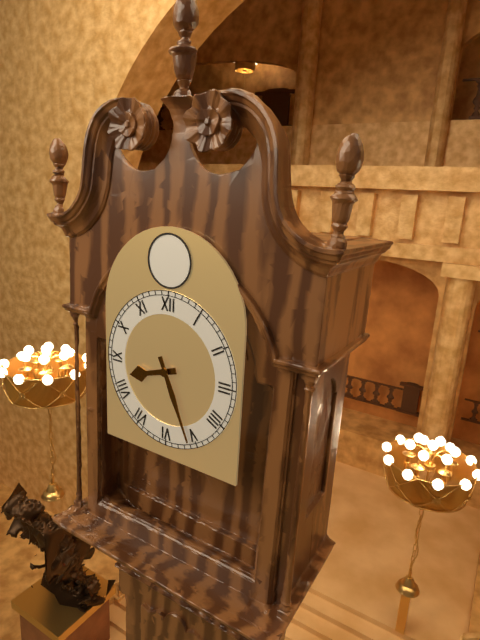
8:26
